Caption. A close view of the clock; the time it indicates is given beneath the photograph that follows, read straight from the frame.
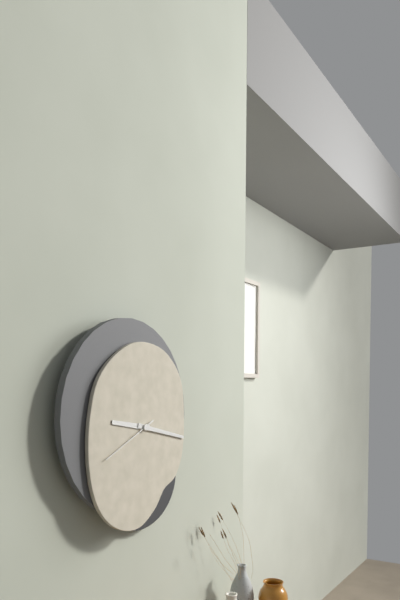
9:17:41
